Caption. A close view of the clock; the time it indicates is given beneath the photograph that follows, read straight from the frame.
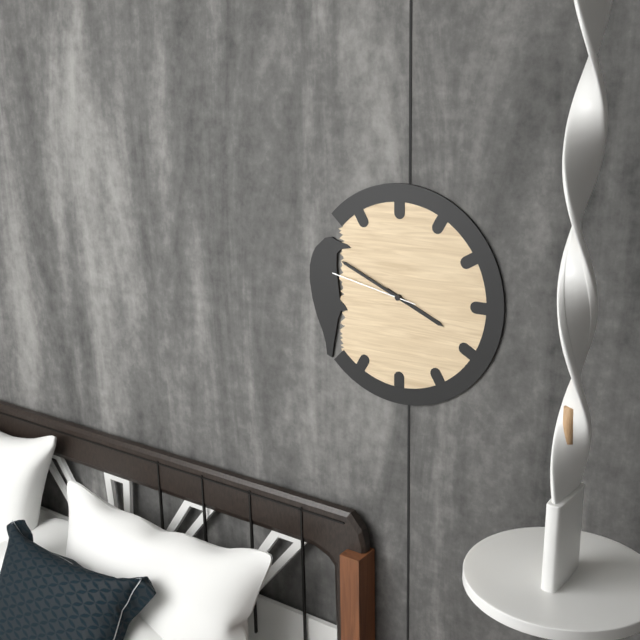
3:49:47
